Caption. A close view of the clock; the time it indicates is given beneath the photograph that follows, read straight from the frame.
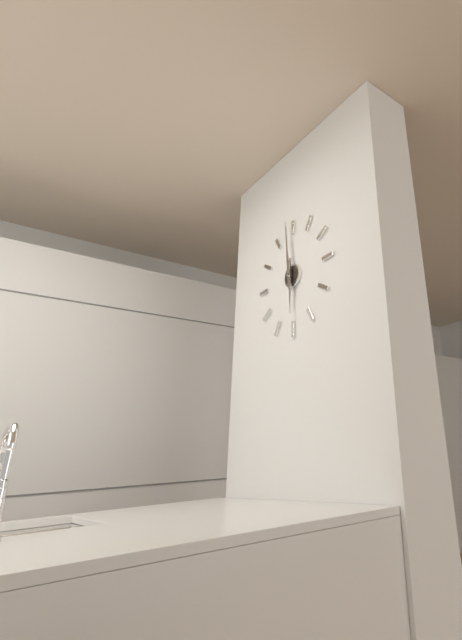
5:59
